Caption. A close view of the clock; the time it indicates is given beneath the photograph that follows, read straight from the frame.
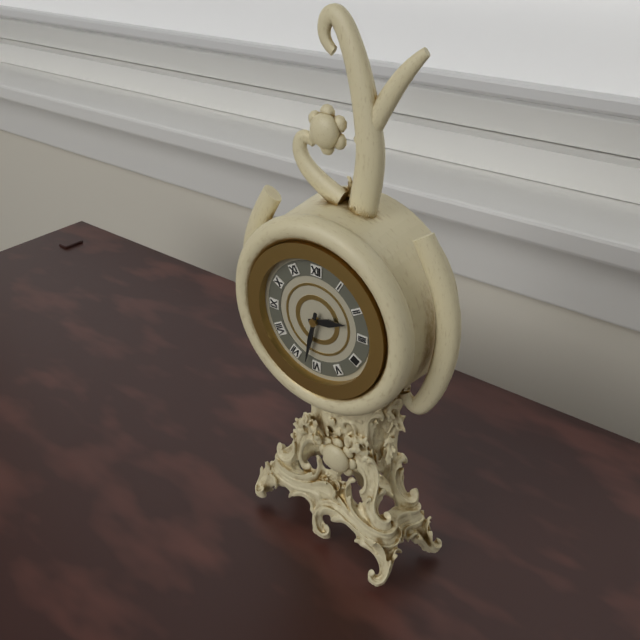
2:32
